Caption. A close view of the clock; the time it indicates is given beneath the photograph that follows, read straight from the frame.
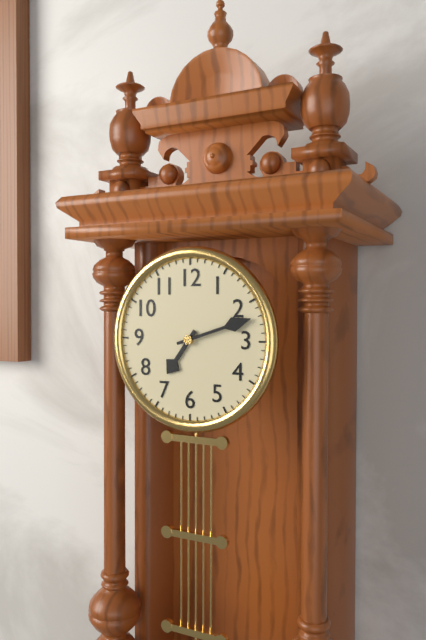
7:12
